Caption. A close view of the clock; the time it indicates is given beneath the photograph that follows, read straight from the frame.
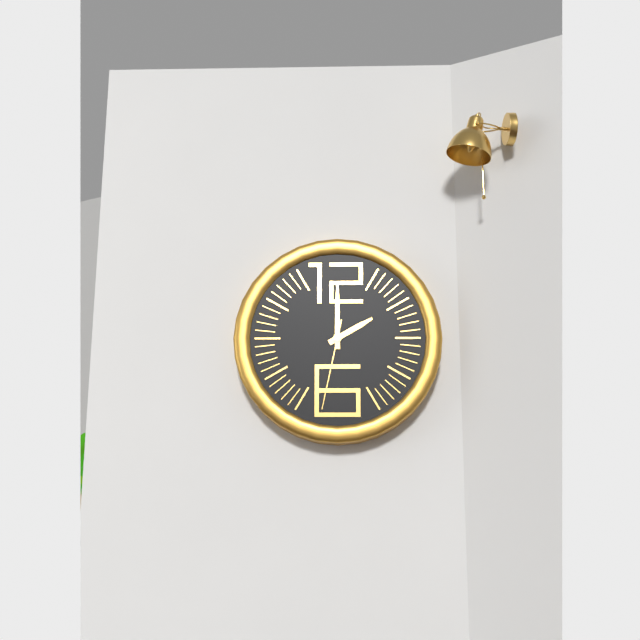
2:00:32
